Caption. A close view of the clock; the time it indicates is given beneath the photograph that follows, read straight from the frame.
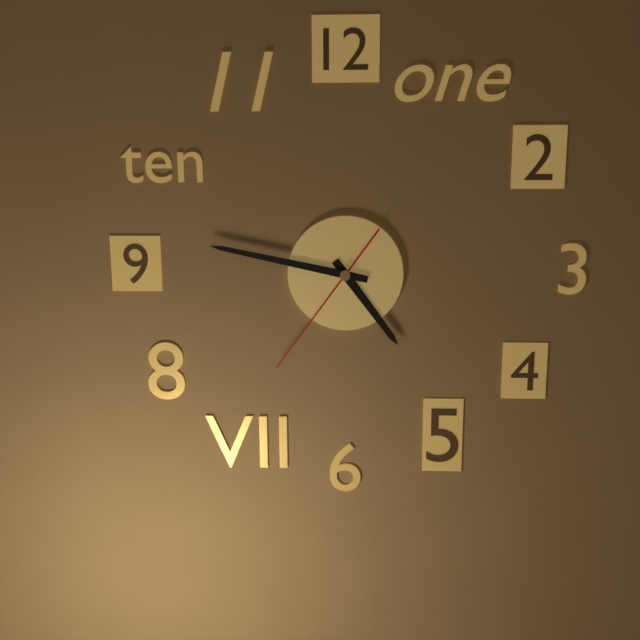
4:47:36
